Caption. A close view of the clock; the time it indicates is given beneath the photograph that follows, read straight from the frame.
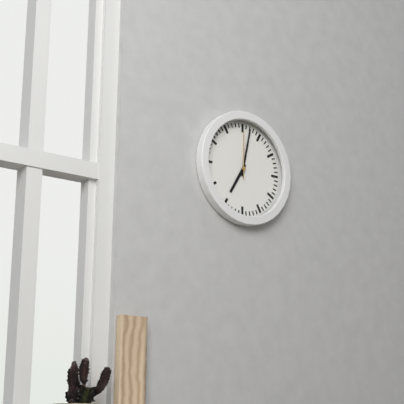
7:02
